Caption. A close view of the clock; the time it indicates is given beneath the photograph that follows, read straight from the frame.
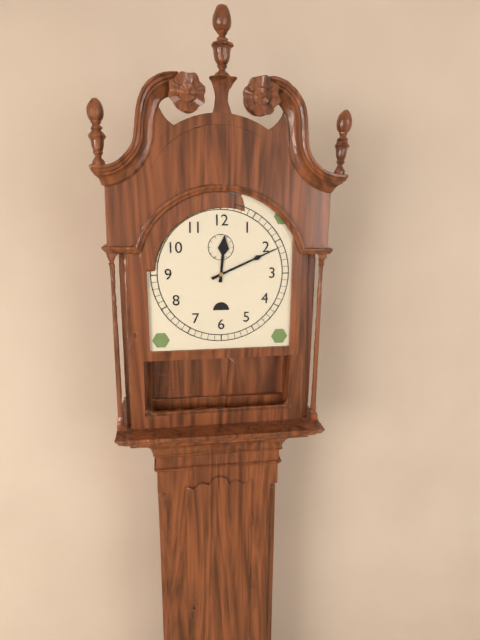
12:11
